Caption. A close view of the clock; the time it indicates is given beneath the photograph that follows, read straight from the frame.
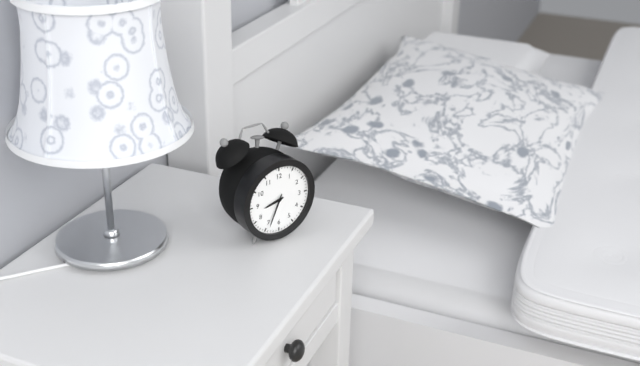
8:34
